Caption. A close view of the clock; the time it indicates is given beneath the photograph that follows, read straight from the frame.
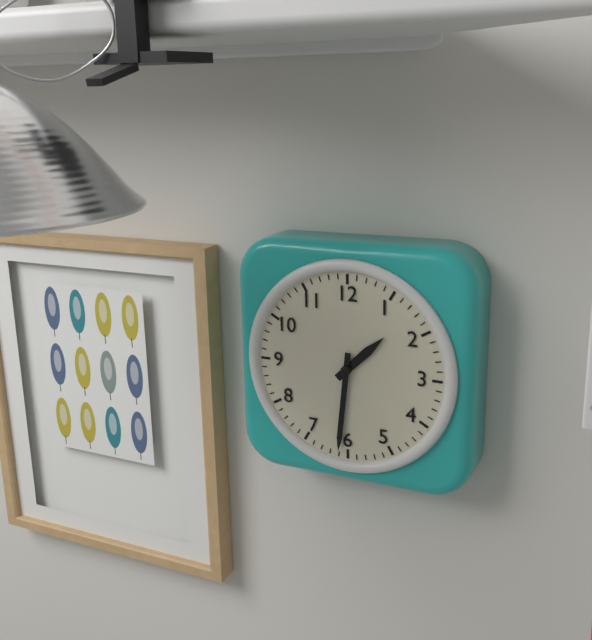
1:31
